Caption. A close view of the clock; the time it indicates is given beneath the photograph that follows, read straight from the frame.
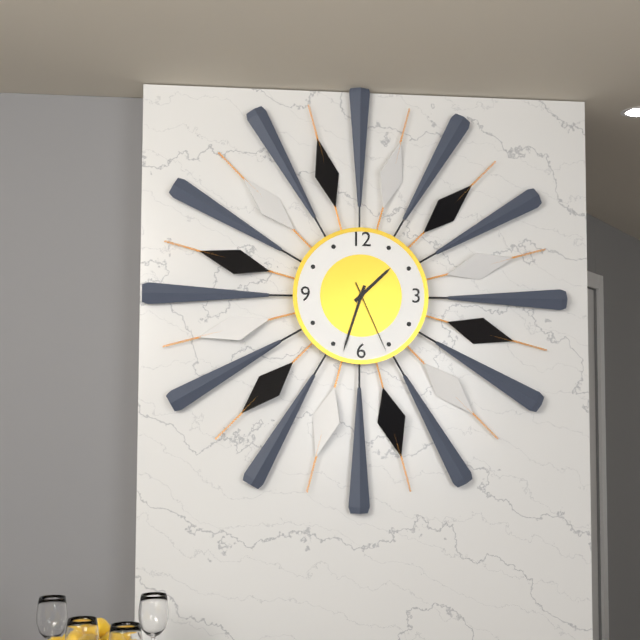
1:33:26
